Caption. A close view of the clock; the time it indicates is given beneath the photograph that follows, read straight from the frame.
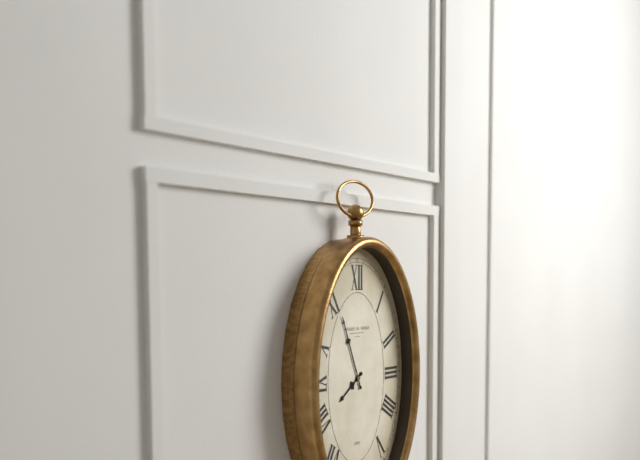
7:56
